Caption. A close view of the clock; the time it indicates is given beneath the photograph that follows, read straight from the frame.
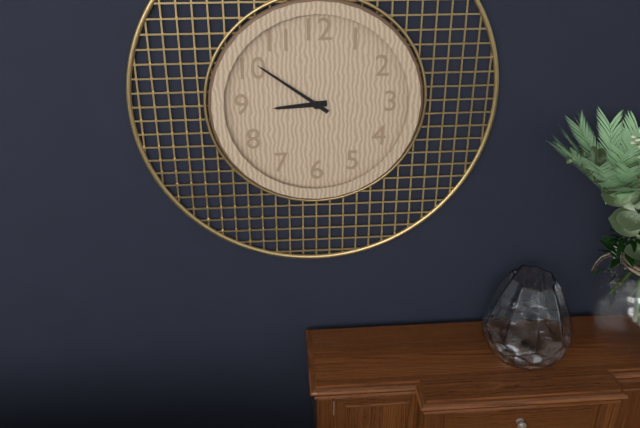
8:51
